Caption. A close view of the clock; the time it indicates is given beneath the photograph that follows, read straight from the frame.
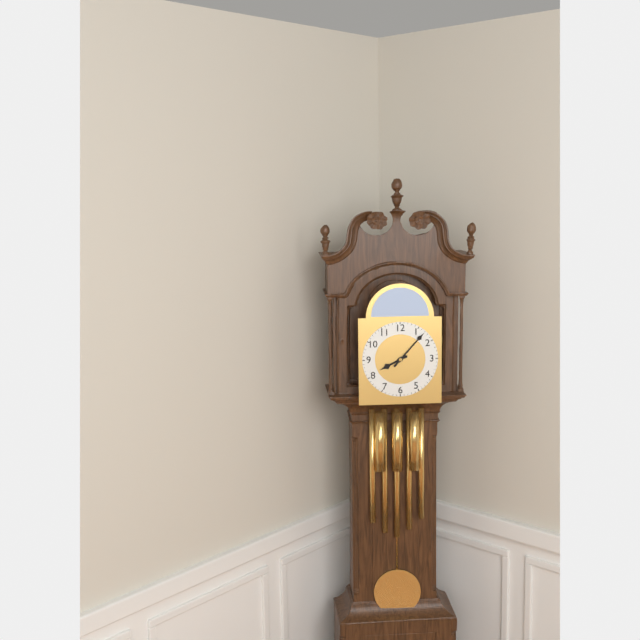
8:07
